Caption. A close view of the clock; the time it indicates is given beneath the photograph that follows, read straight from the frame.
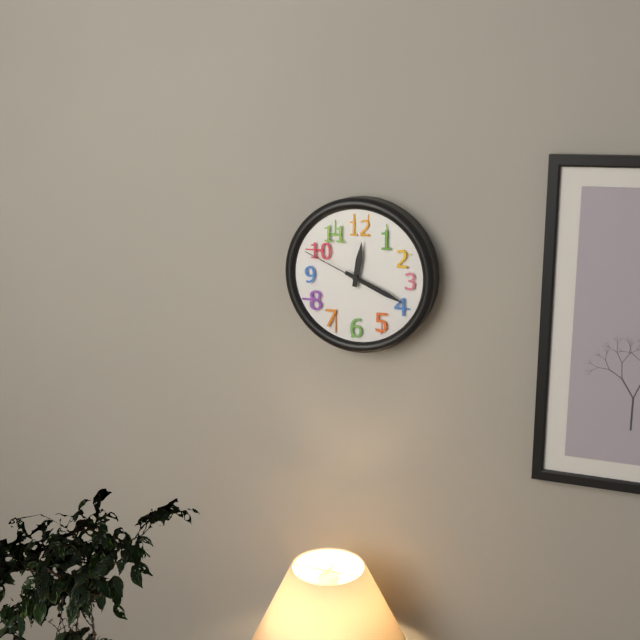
12:19:49
